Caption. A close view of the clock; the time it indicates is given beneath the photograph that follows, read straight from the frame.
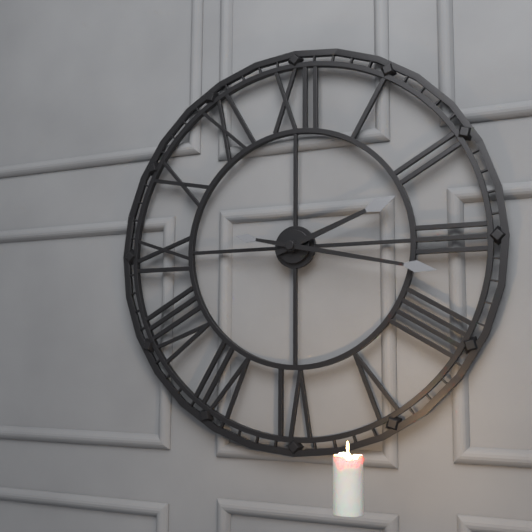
2:17
